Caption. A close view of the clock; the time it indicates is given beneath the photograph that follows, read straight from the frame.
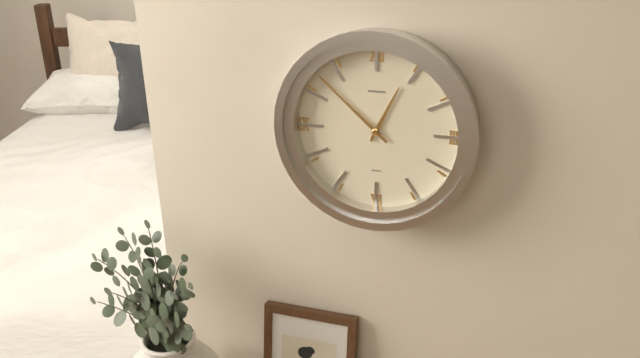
12:52
